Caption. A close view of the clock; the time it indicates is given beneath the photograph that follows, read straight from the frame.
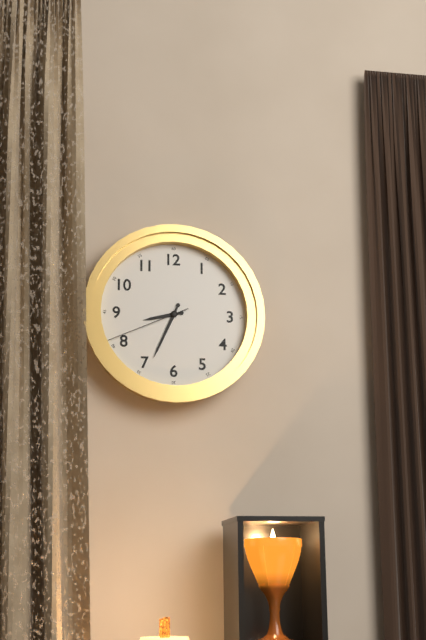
8:34:41
